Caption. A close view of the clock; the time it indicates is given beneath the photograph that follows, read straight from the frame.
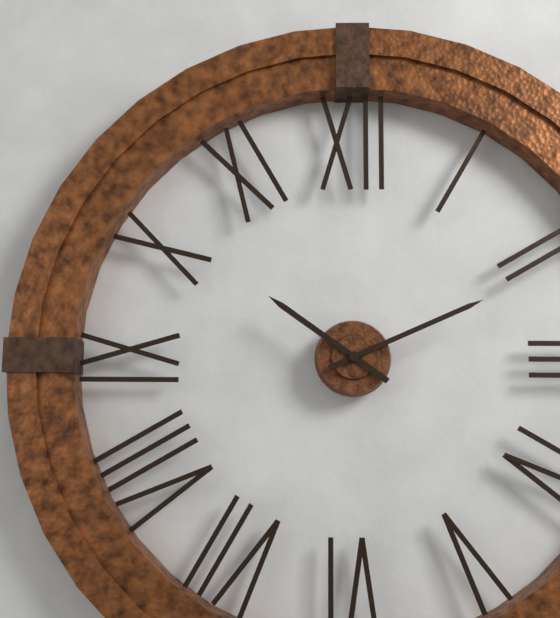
10:11
